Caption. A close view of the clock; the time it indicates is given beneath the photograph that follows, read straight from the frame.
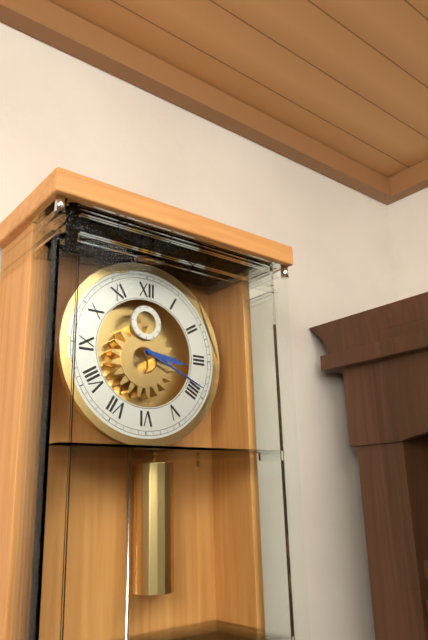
3:19
